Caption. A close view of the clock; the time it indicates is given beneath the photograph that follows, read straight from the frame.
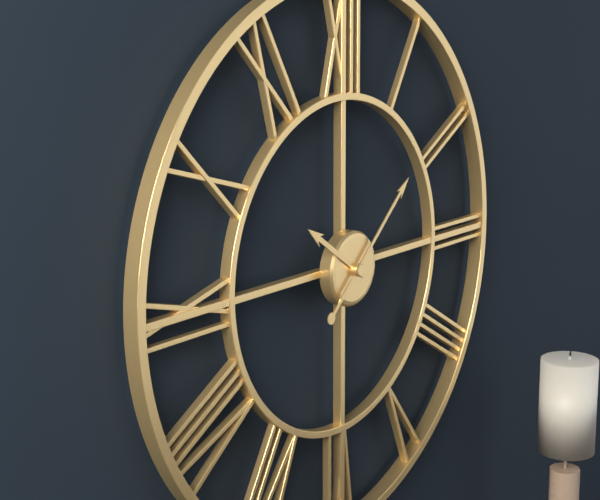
10:08
